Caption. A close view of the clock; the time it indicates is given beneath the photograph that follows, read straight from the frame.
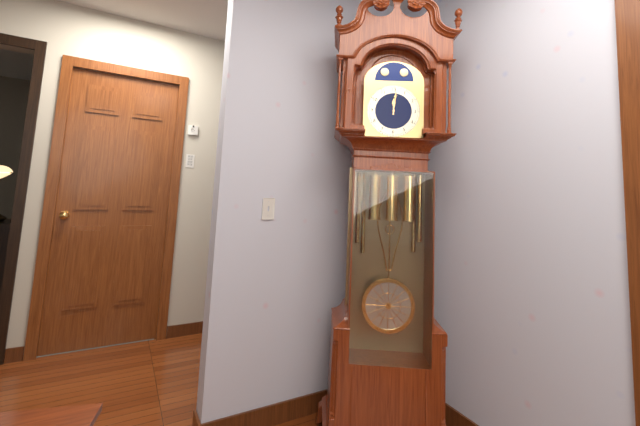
12:01
